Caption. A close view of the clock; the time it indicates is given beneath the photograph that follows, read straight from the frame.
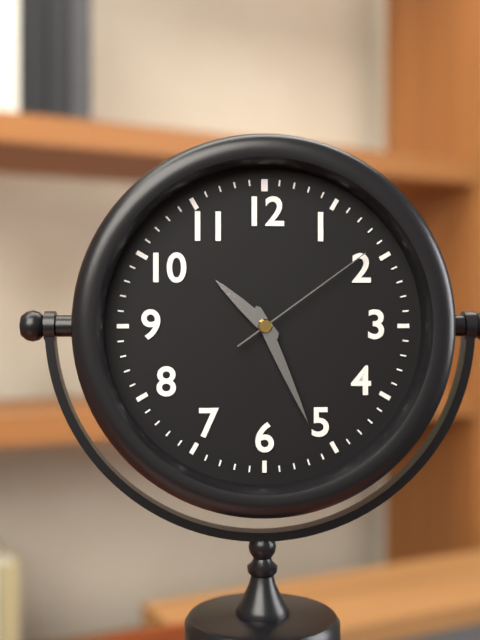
10:26:09
